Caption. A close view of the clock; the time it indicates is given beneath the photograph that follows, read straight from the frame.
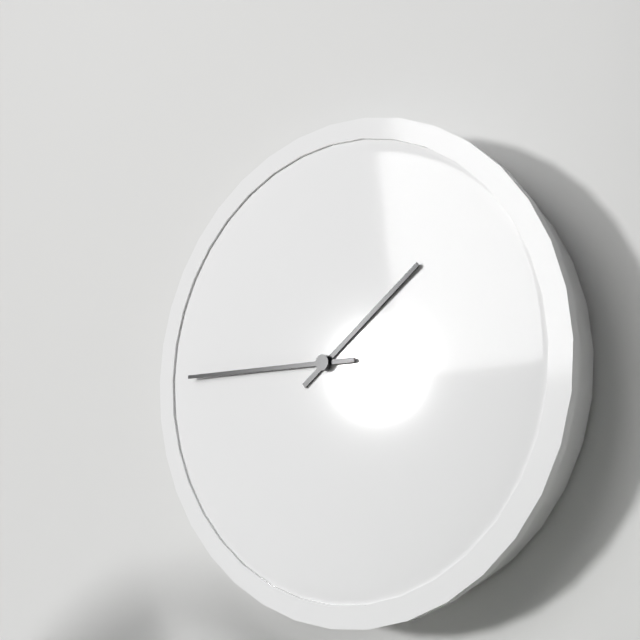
1:45
